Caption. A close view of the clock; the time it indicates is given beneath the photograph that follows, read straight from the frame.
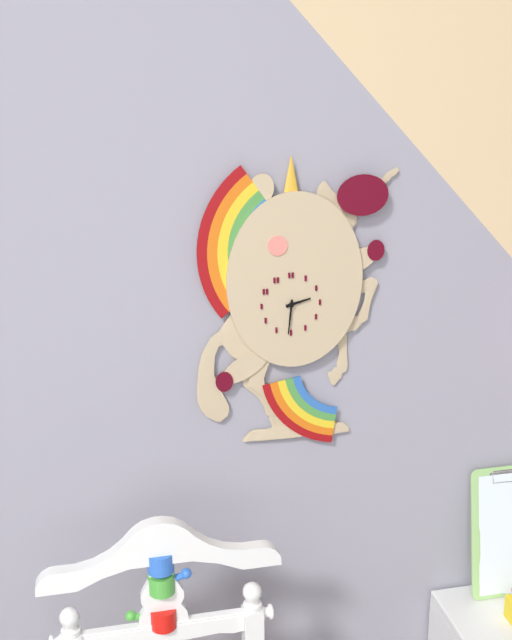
2:31
